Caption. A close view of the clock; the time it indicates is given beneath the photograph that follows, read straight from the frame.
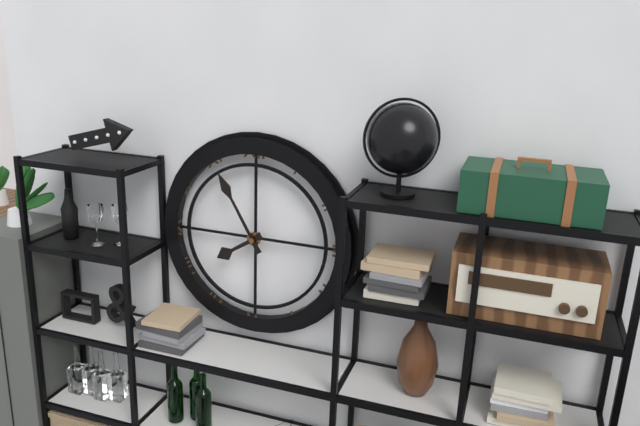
7:55
